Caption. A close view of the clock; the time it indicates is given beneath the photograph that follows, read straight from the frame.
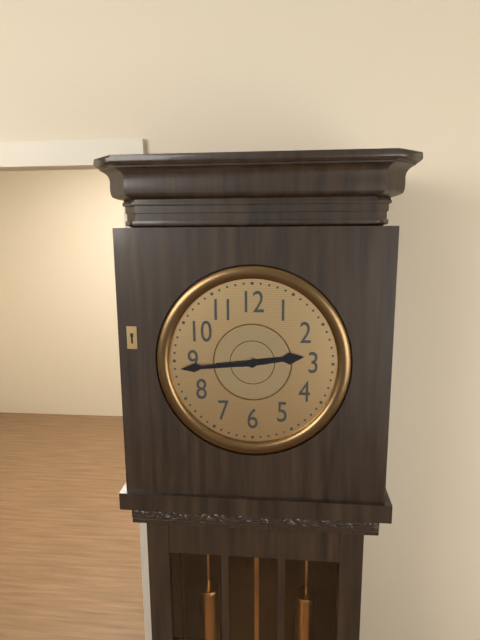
2:44
